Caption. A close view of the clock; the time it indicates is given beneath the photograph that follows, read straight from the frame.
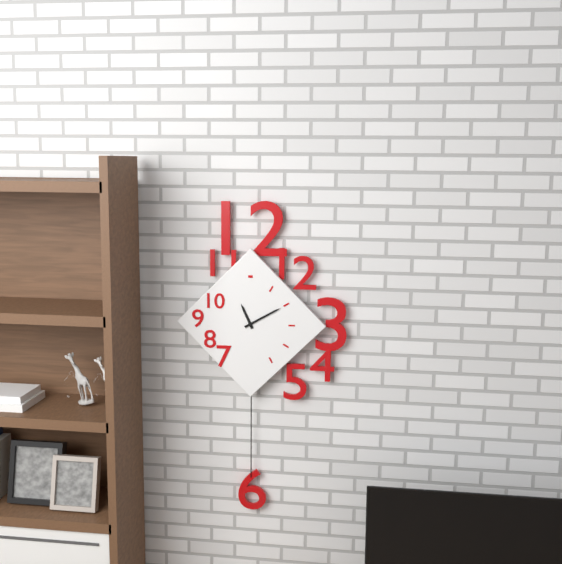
11:10
